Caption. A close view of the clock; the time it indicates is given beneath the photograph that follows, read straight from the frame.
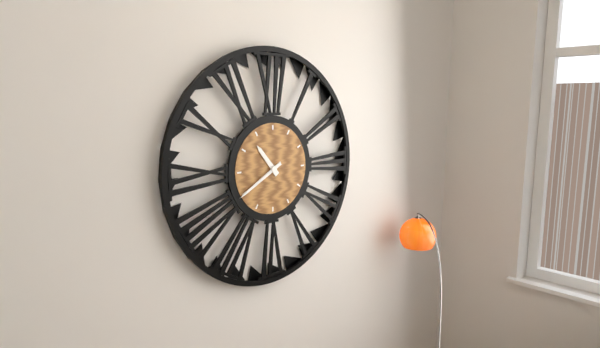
10:40
